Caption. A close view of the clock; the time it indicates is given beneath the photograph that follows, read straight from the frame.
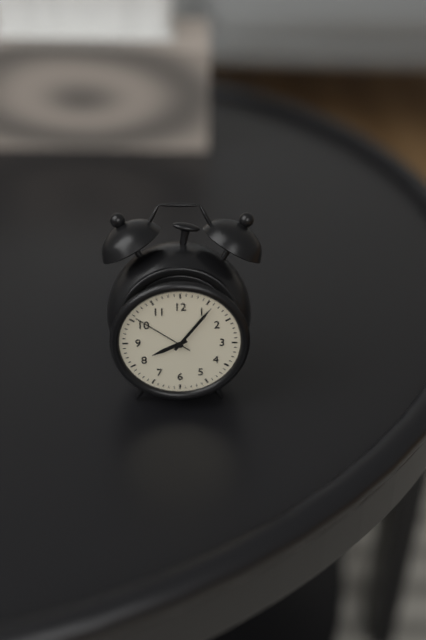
8:06:51
